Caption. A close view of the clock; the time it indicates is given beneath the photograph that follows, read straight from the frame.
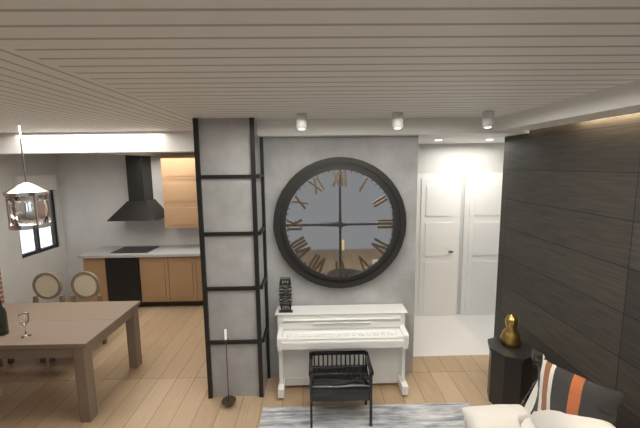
9:00
